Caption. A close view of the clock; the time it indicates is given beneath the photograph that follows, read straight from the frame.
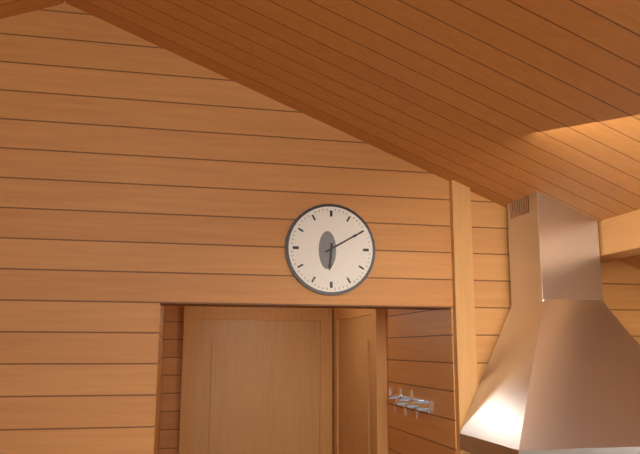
6:10
